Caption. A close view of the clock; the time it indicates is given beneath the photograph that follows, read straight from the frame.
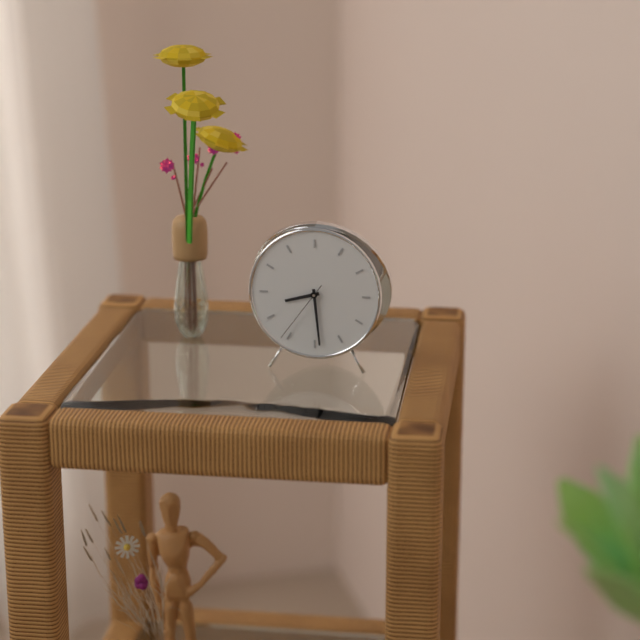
8:29:36
